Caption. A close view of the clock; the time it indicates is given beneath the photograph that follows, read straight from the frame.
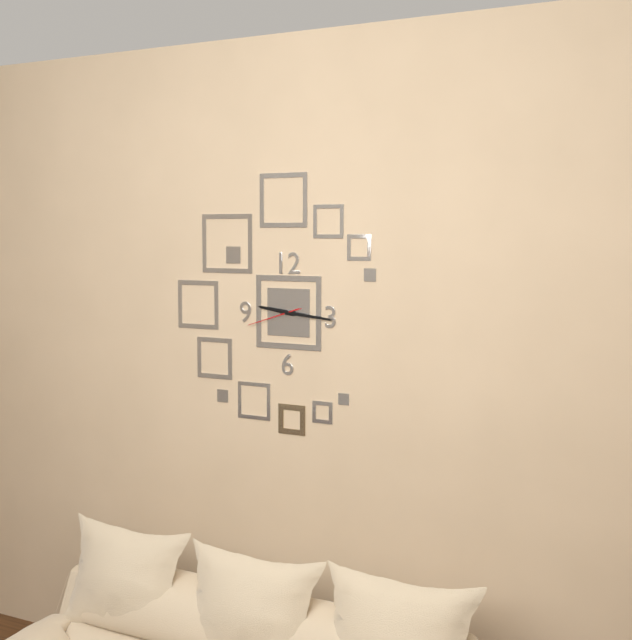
9:16:42
